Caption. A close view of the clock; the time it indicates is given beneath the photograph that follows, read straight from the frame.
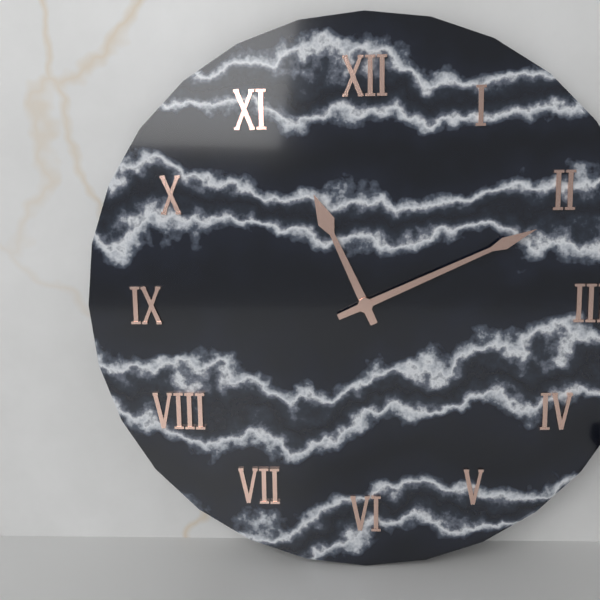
11:11
